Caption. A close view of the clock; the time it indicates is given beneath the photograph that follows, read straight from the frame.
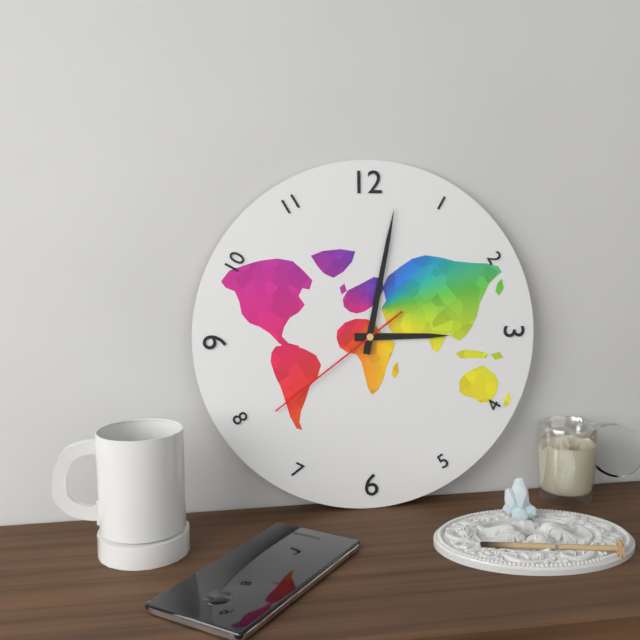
3:02:39
